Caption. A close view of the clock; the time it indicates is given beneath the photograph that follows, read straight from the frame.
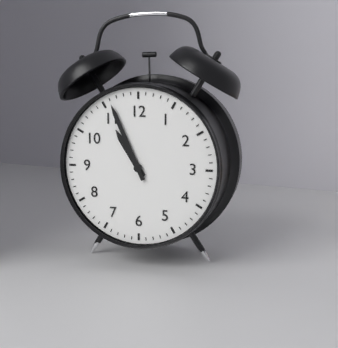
10:56
